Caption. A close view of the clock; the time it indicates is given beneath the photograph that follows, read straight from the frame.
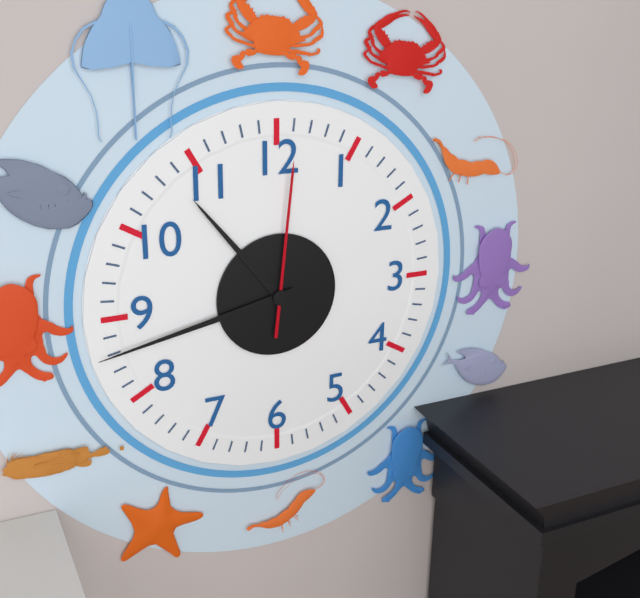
10:43:01
